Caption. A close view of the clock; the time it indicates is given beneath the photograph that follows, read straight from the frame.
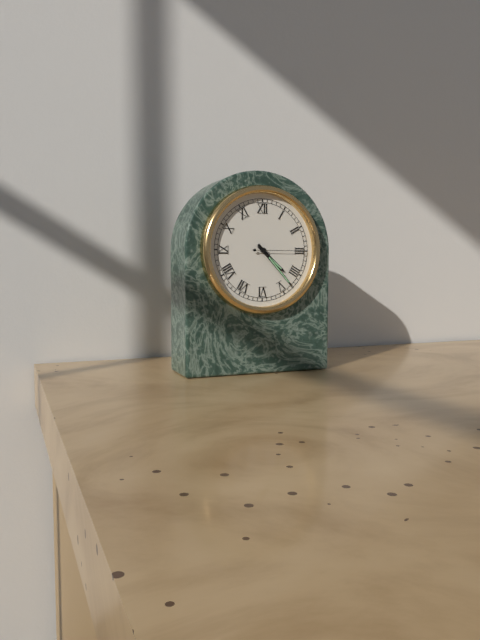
4:23:15
